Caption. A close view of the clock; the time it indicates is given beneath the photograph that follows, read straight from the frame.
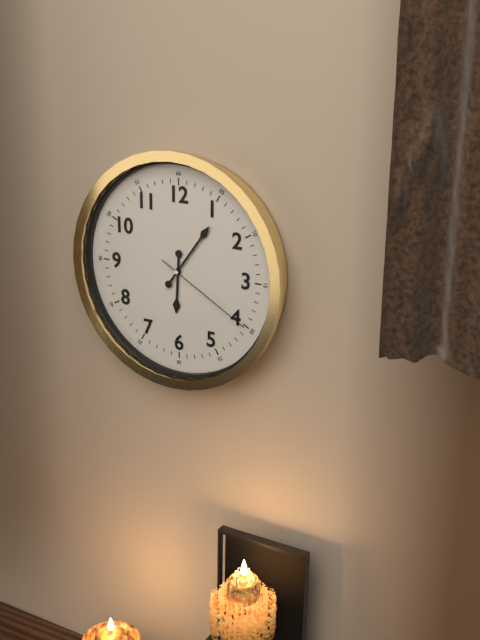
6:06:20
